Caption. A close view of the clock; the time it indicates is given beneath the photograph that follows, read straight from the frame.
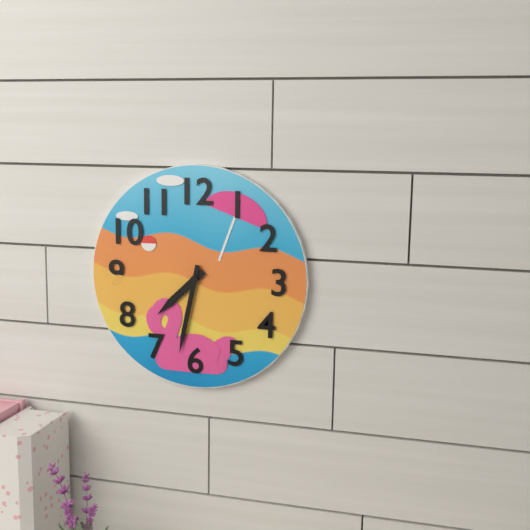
7:32
